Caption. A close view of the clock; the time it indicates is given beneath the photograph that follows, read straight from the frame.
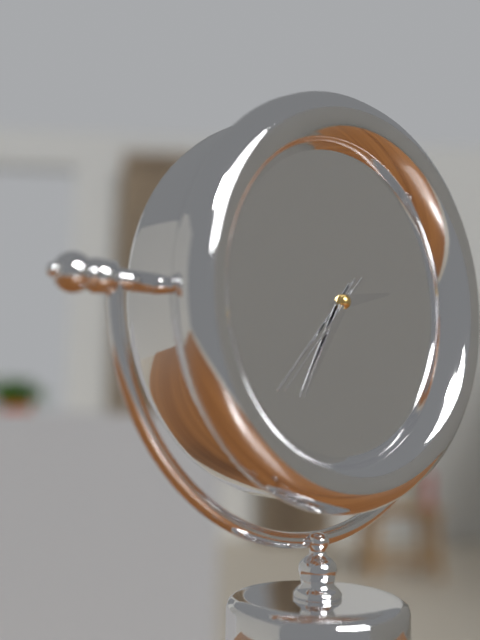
2:35:37
